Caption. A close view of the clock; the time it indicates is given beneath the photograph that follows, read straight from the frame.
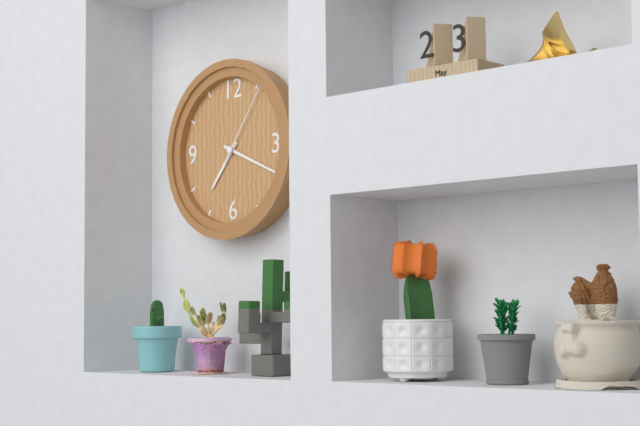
7:19:06
